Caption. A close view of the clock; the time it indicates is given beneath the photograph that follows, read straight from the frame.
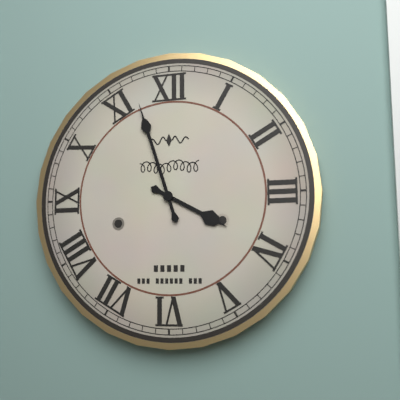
3:57
